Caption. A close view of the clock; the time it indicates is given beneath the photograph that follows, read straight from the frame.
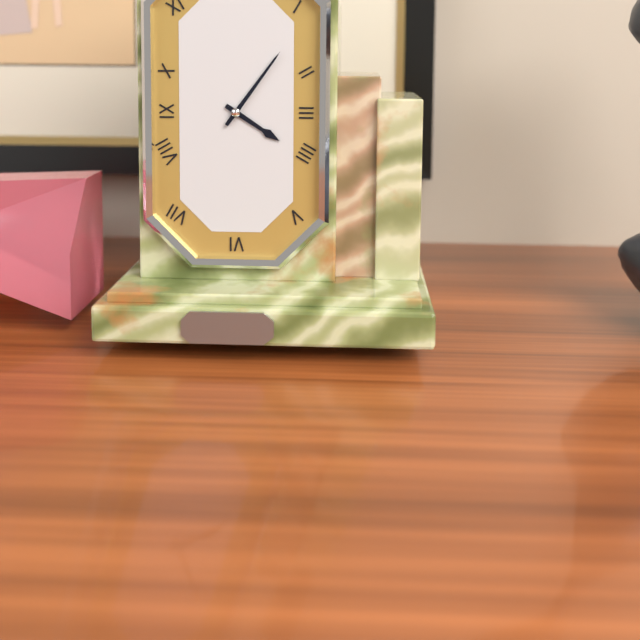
4:06
